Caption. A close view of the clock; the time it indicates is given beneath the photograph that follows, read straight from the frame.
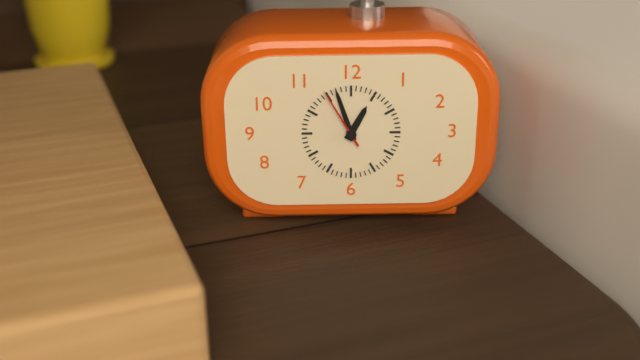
12:57:55
